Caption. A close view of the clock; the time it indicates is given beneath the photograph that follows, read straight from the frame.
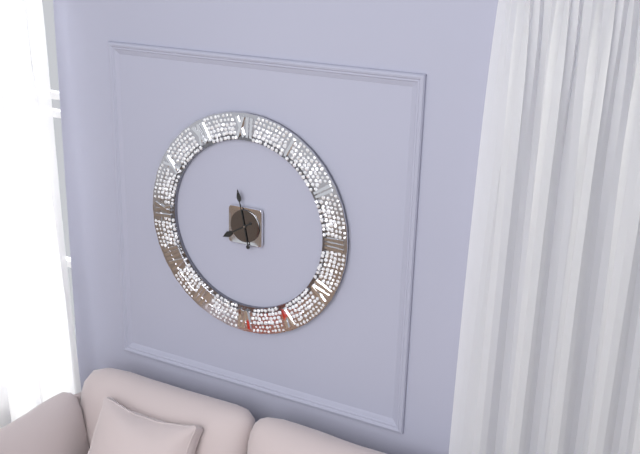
7:58
